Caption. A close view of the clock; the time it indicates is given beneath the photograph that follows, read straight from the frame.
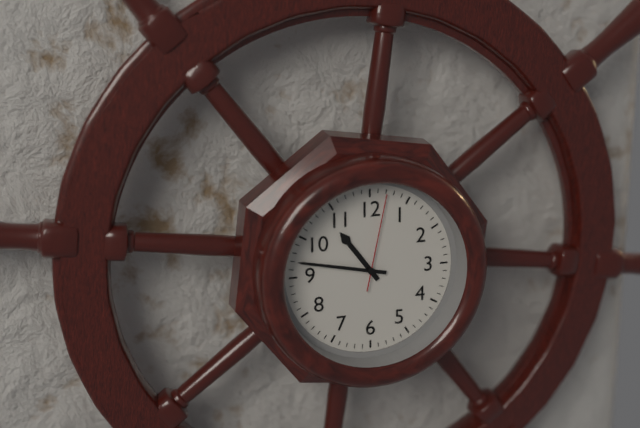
10:47:02
